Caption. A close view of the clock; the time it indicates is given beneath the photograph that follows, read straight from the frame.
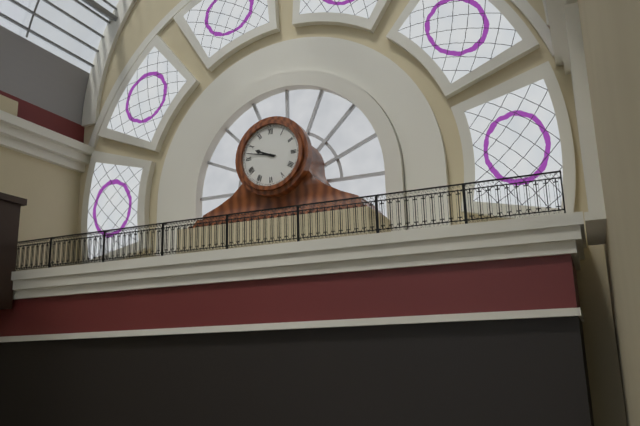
9:47
